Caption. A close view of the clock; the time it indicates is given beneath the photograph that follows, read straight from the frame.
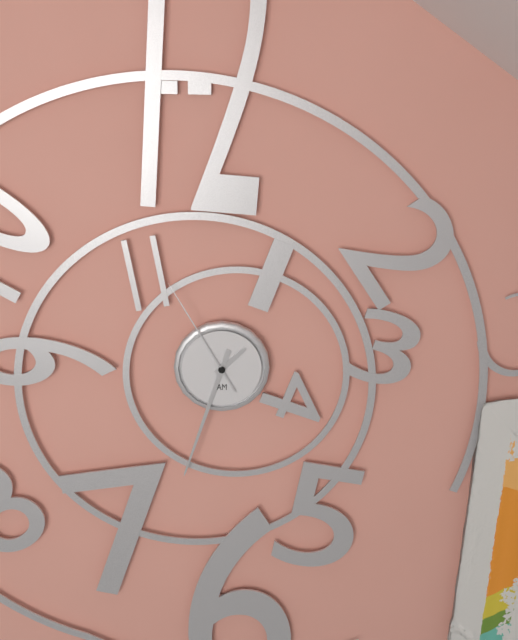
1:33:55
